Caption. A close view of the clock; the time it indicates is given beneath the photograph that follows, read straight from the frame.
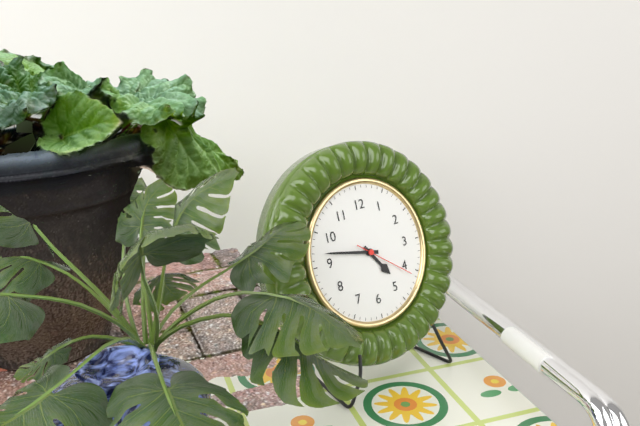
4:47:21
